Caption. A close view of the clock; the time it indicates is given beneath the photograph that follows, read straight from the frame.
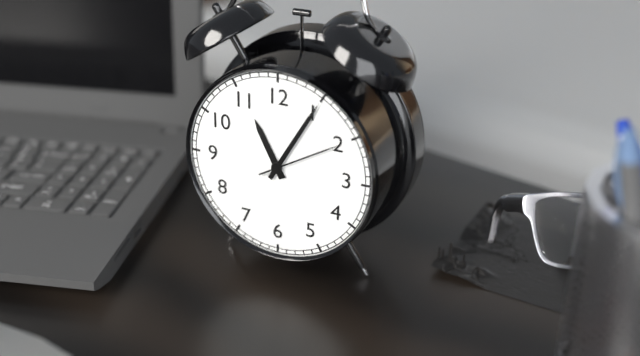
11:05:10
